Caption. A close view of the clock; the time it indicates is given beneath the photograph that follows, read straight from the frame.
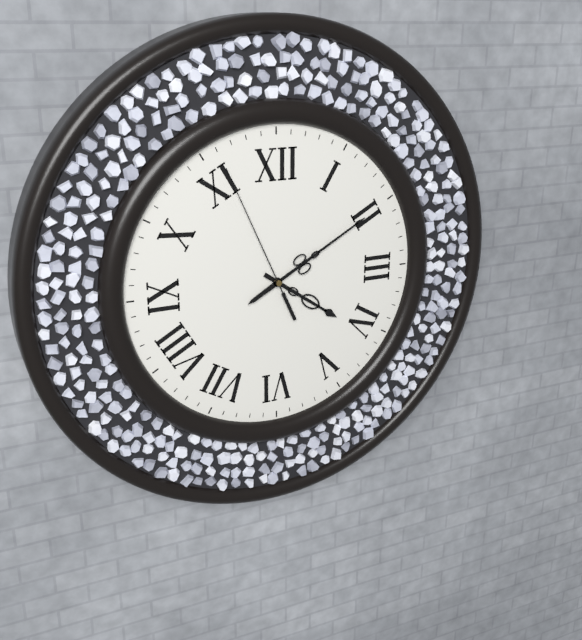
4:10:56
